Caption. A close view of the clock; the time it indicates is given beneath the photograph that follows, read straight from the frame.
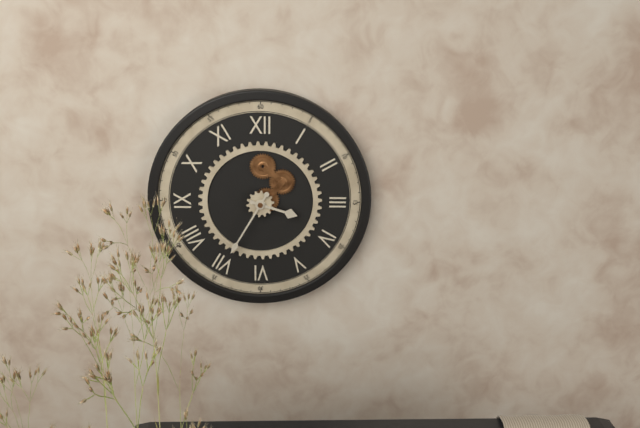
3:35
